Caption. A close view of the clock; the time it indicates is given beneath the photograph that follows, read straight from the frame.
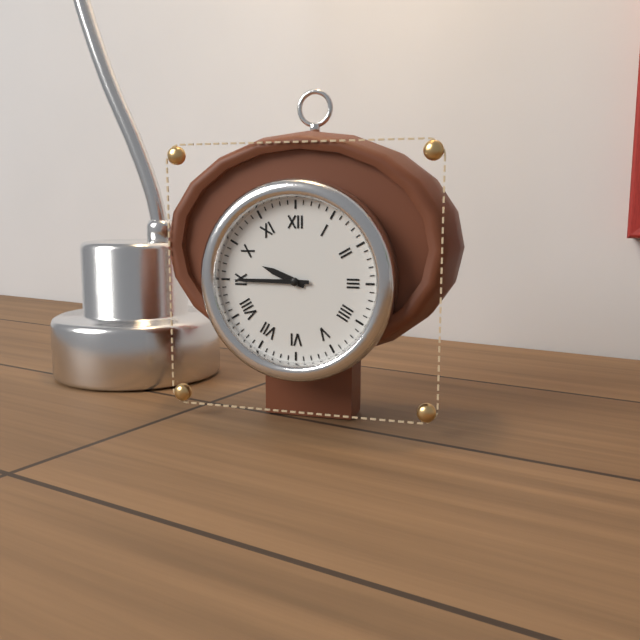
9:45
